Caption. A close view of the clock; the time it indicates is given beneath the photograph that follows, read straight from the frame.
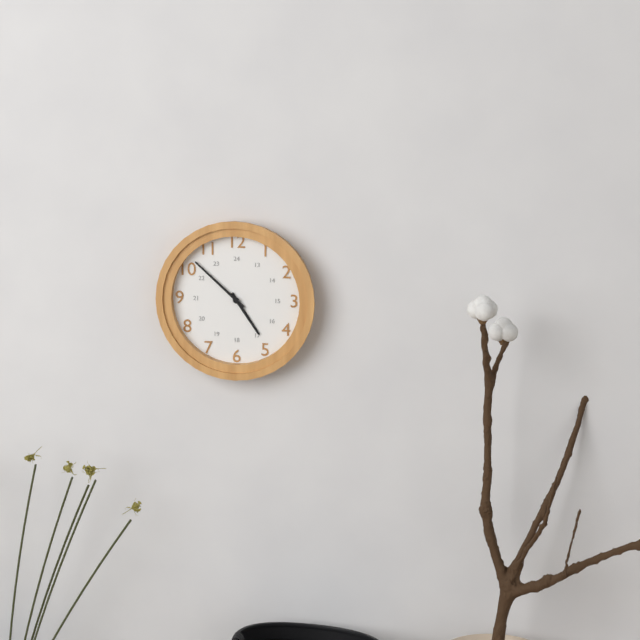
4:52
